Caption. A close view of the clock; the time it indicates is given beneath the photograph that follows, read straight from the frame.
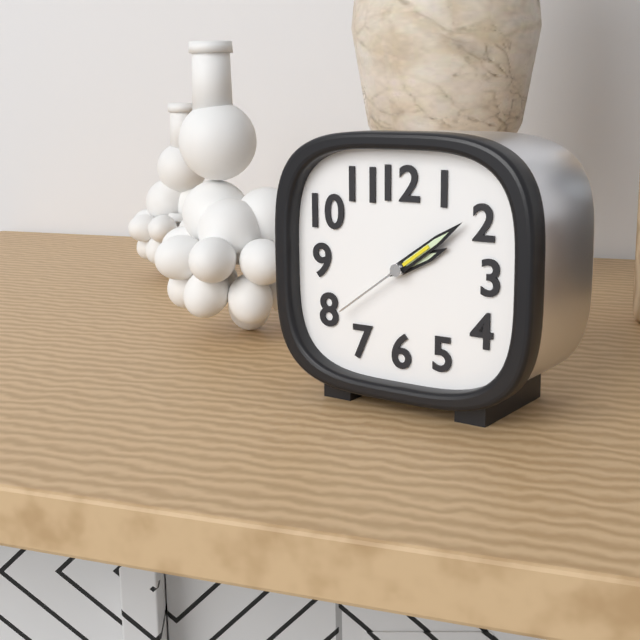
2:09:39
